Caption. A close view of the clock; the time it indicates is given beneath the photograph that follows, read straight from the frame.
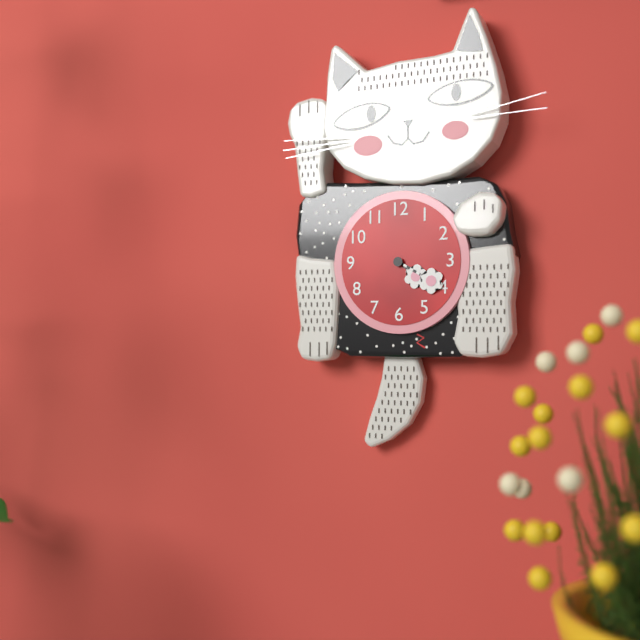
4:20
